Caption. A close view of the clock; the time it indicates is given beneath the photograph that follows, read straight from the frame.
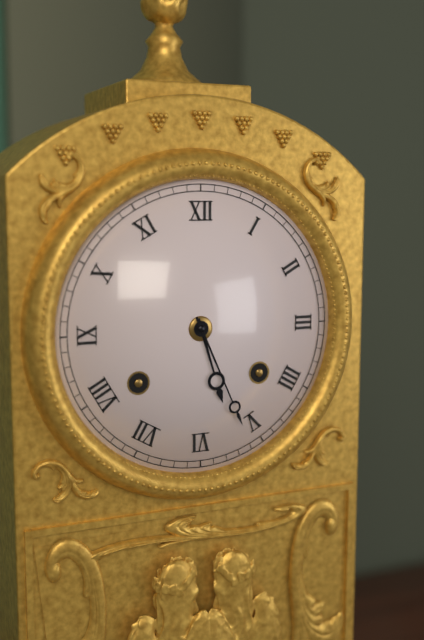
5:26
